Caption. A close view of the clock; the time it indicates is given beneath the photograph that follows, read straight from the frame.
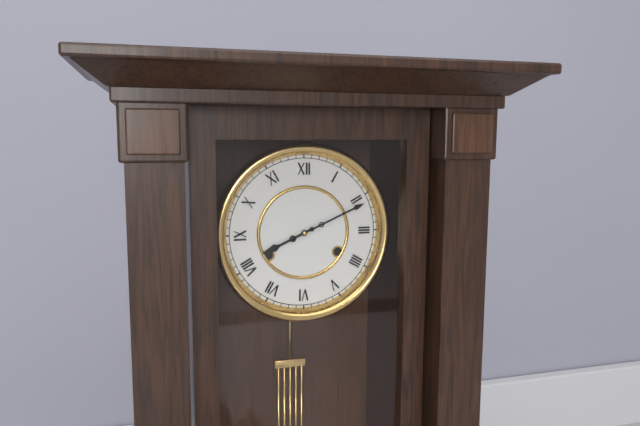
8:11
